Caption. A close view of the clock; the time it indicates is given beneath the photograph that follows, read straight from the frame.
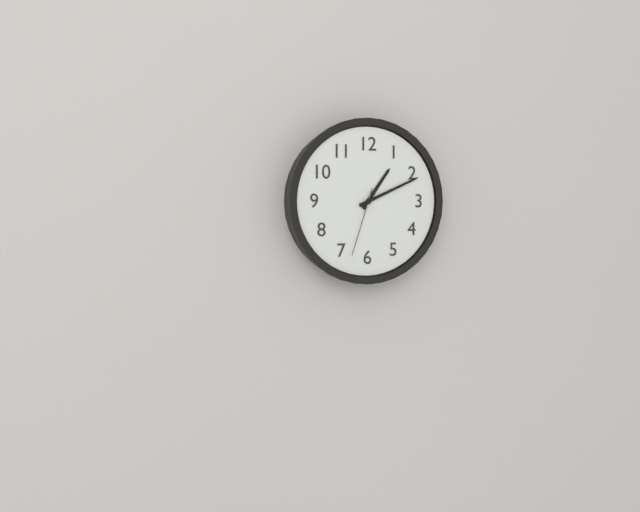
1:11:33
